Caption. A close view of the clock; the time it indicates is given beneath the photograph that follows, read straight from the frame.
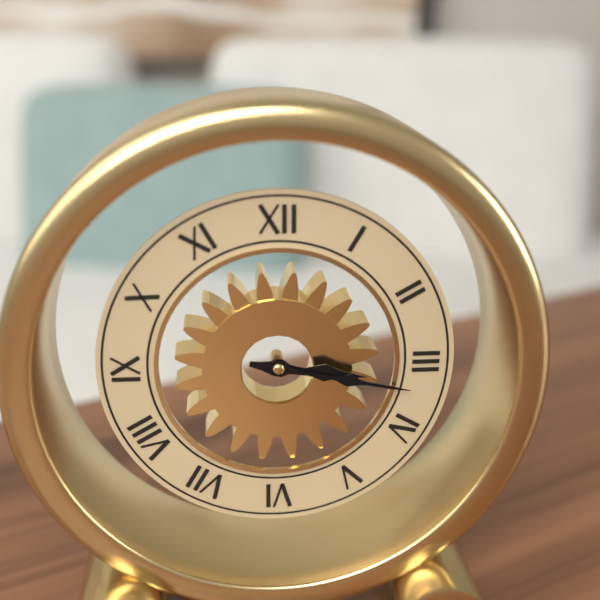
3:17
